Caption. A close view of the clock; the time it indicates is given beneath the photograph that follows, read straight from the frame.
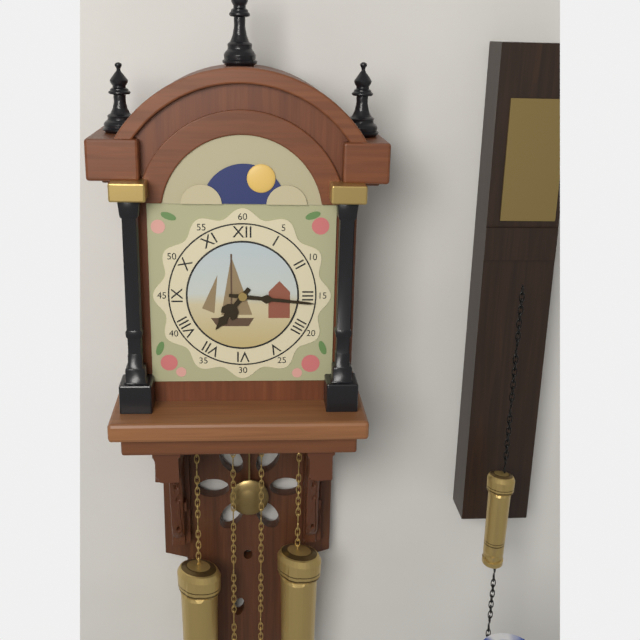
7:16
